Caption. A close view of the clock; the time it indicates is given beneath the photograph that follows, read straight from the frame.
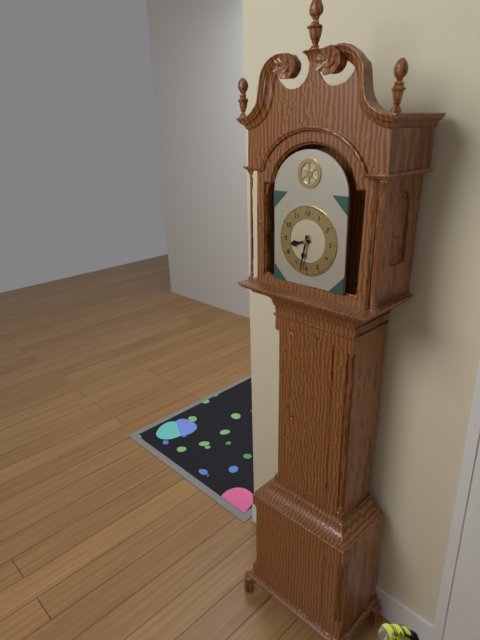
8:32
